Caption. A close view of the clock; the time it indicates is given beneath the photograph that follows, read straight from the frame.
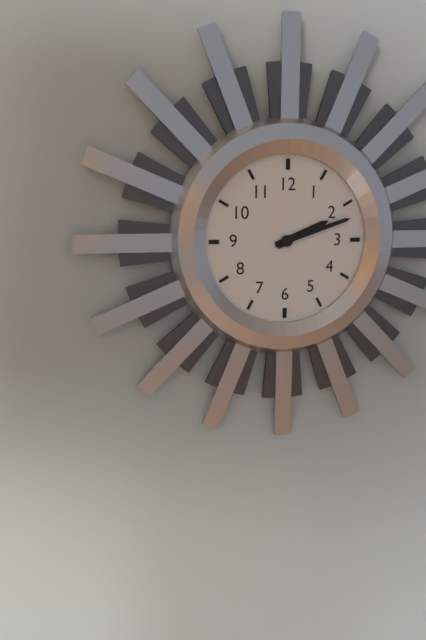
2:12
